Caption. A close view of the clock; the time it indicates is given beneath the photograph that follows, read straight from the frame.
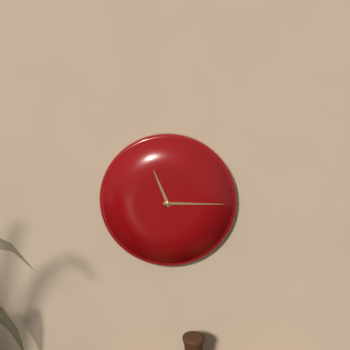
11:15
